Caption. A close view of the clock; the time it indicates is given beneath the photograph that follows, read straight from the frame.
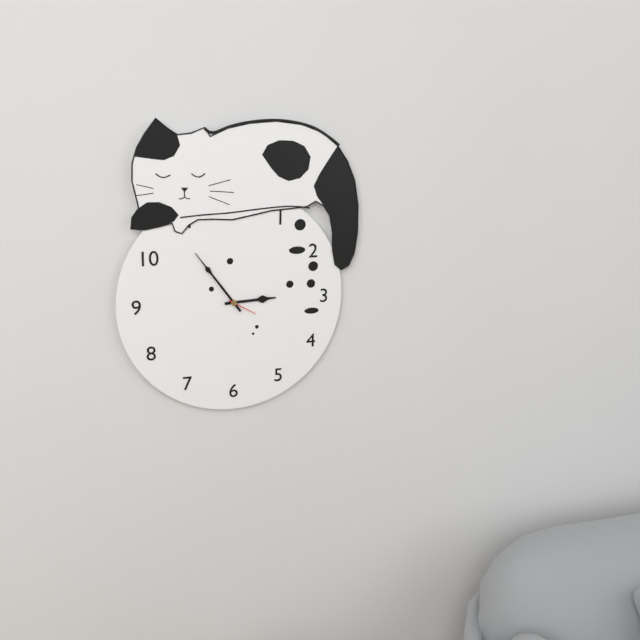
2:54
